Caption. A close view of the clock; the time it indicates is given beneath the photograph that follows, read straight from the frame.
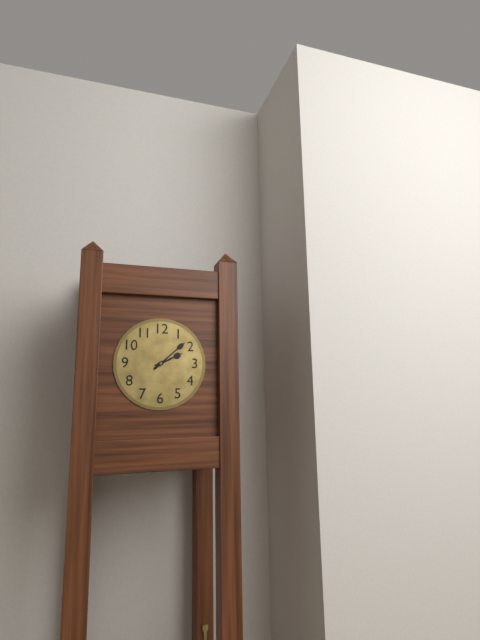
2:08
